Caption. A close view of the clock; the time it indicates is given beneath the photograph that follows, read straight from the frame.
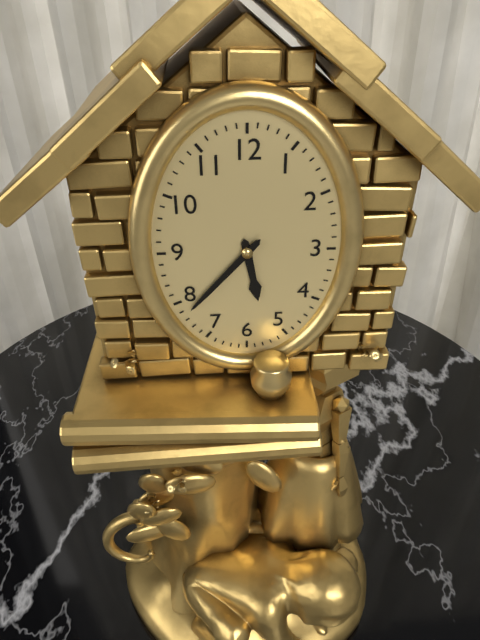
5:37
